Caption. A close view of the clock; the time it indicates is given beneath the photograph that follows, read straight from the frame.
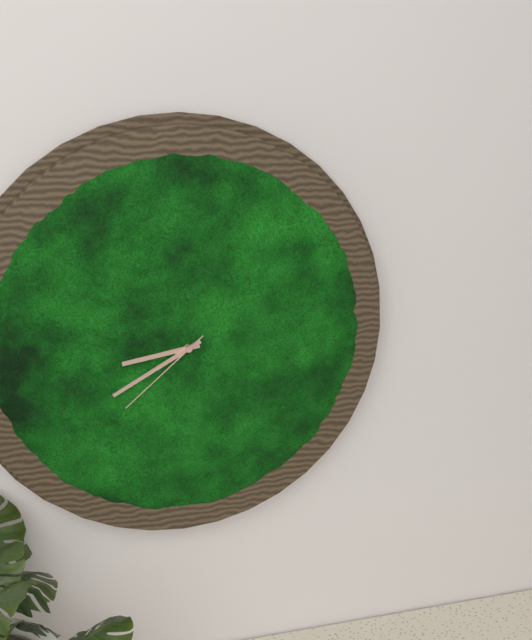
8:40:38
